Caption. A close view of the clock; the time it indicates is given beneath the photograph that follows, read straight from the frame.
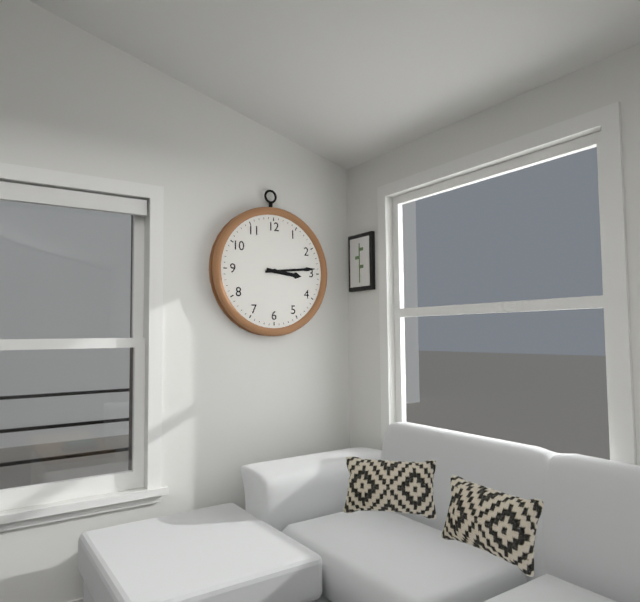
3:14
